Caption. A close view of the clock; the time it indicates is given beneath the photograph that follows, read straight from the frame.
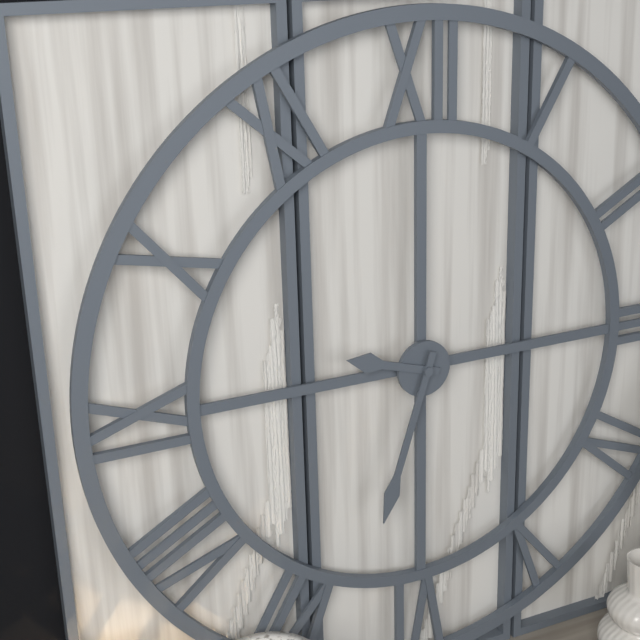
9:33
